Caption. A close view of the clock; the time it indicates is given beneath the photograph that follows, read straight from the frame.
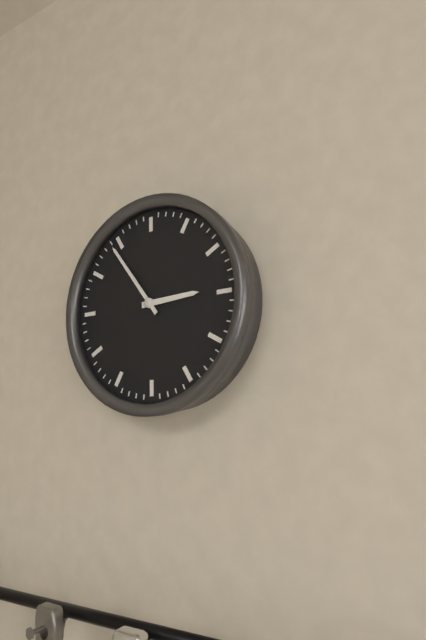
2:54
